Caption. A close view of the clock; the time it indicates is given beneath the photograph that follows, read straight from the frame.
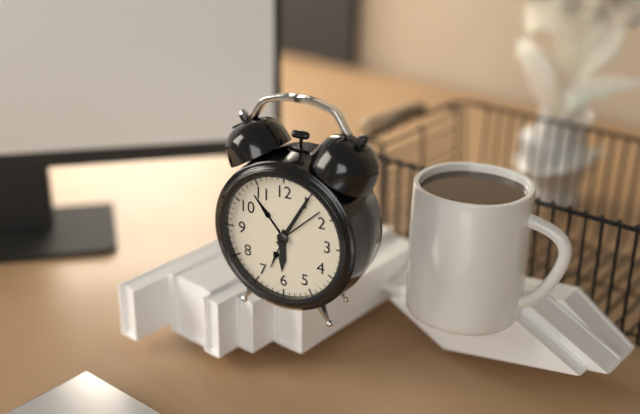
6:05
